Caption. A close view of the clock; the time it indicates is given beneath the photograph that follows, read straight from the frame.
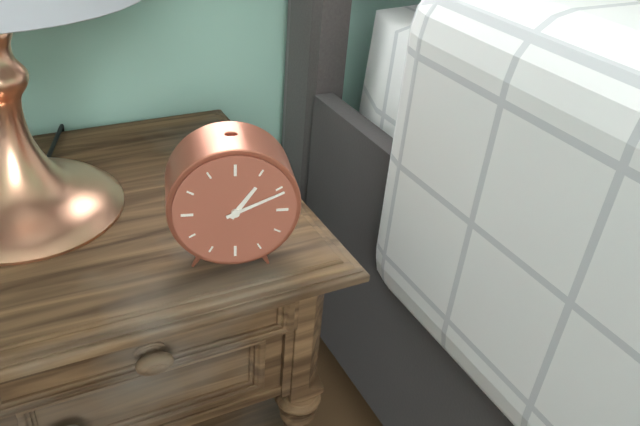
1:11
